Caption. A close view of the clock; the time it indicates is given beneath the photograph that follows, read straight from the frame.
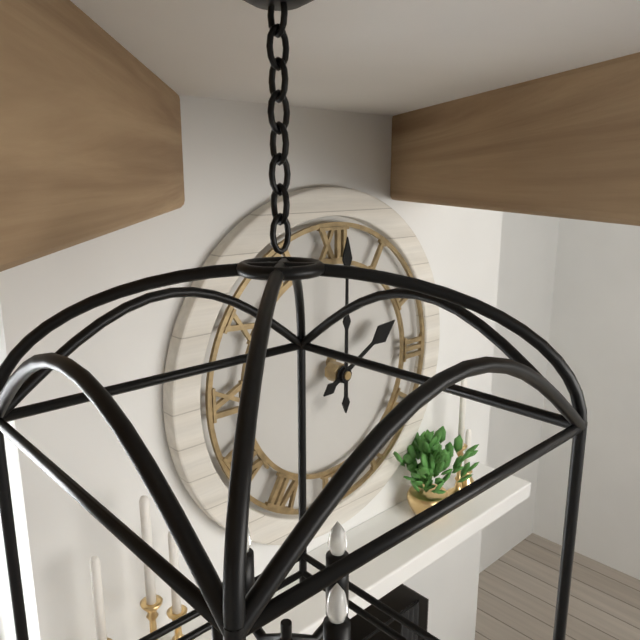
2:00
